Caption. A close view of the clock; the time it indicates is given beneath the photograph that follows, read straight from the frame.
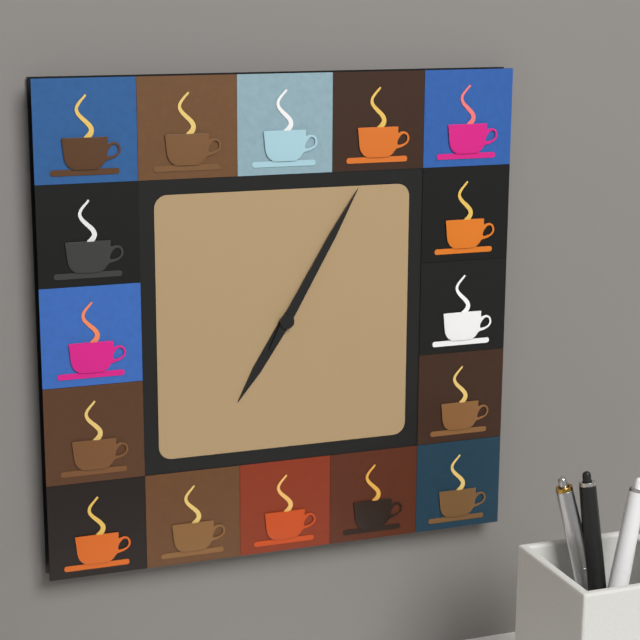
7:05
